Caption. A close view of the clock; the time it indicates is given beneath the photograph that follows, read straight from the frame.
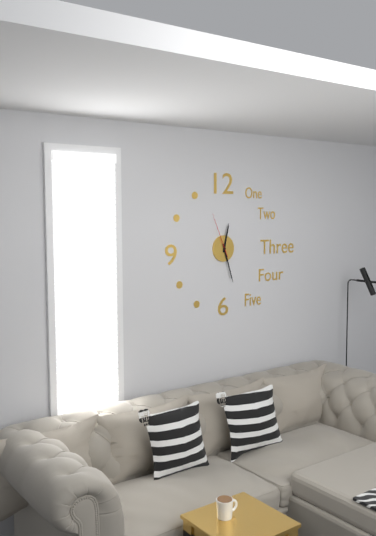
12:27
